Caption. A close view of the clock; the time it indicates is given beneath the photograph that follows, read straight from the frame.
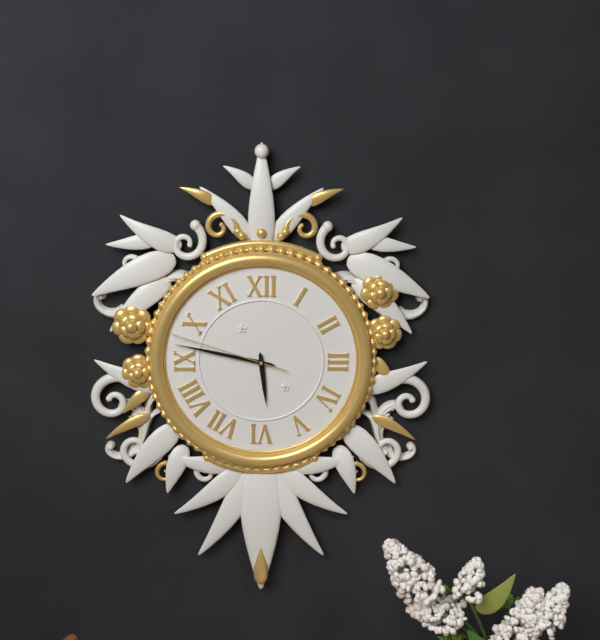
5:47:48
